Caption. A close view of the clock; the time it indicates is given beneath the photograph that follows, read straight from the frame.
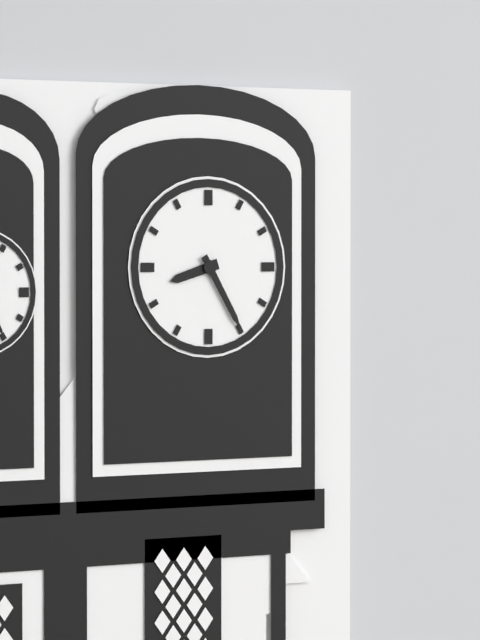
8:25
